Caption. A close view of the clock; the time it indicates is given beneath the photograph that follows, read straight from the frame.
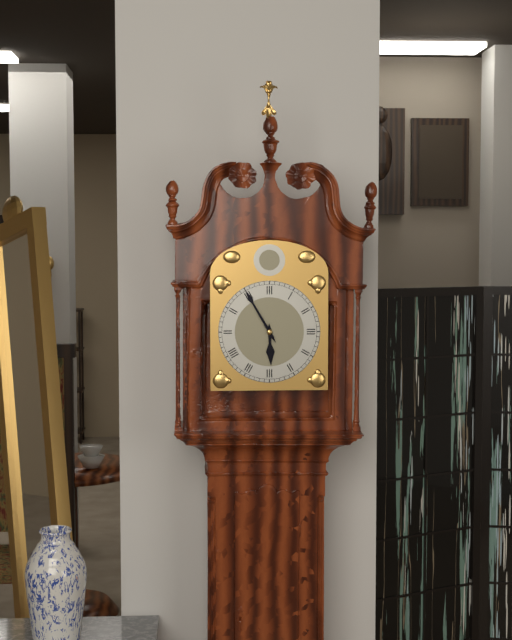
5:55
